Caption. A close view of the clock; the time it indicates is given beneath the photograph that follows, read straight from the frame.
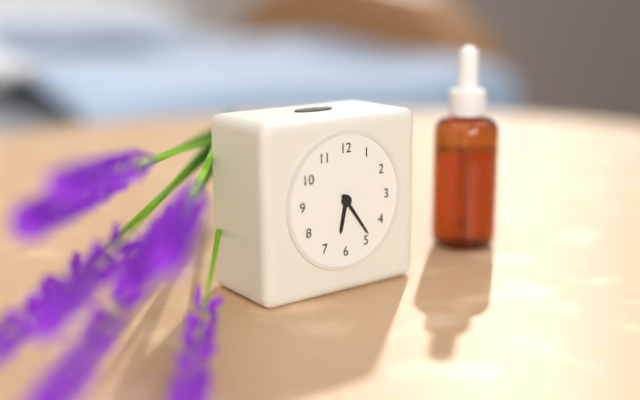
6:24
